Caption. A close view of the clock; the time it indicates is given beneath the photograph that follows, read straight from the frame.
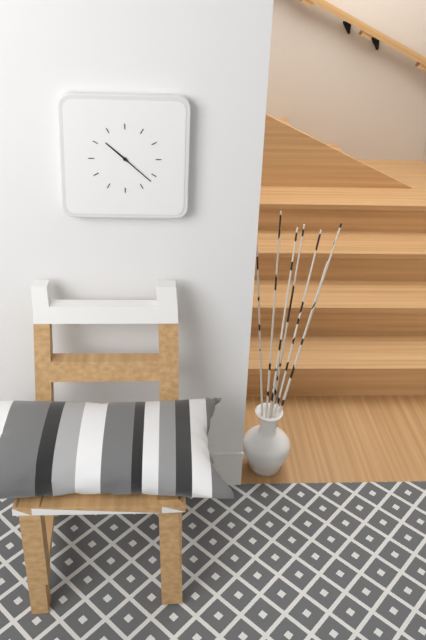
10:22
